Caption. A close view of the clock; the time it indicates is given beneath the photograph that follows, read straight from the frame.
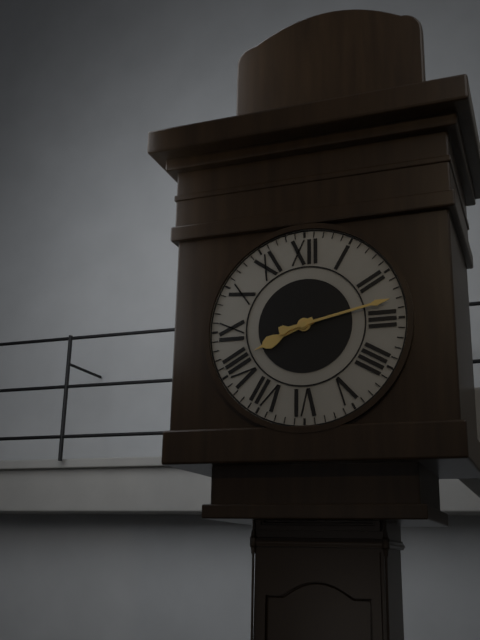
8:13
